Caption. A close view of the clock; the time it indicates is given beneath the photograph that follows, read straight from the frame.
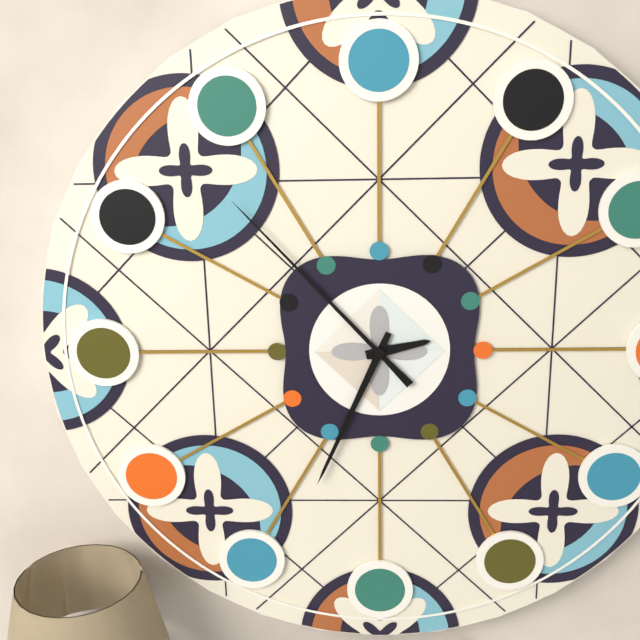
2:34:53
